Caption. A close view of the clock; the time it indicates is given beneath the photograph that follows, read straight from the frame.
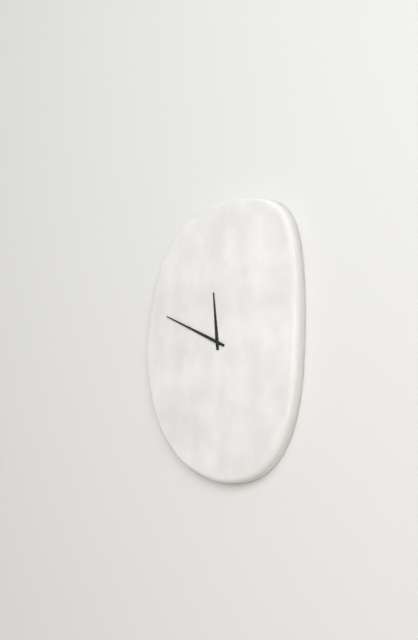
11:49
